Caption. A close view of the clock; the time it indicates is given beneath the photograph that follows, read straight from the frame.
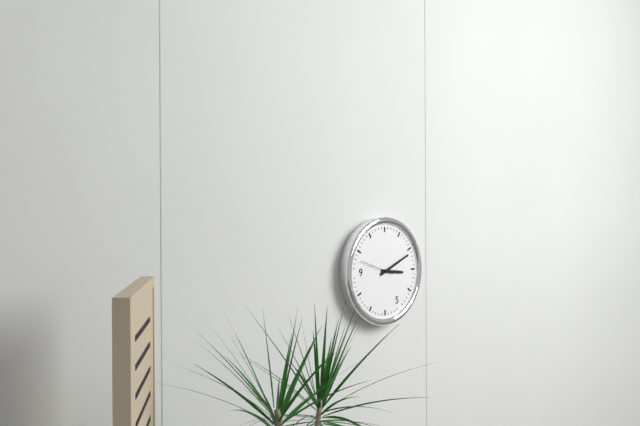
3:11
